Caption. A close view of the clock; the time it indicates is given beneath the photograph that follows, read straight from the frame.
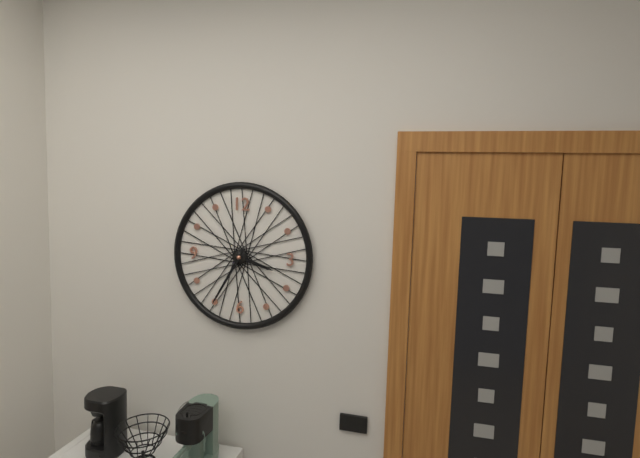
3:35
